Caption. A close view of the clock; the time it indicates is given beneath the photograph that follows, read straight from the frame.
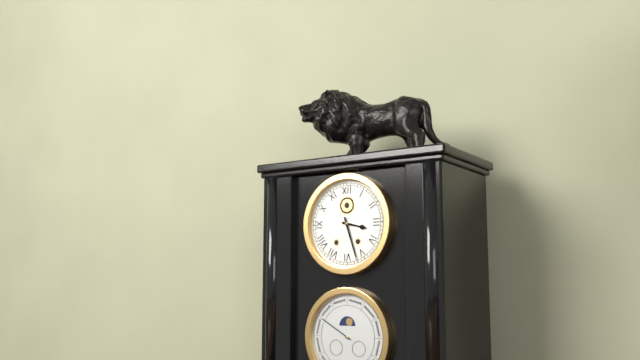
3:27
